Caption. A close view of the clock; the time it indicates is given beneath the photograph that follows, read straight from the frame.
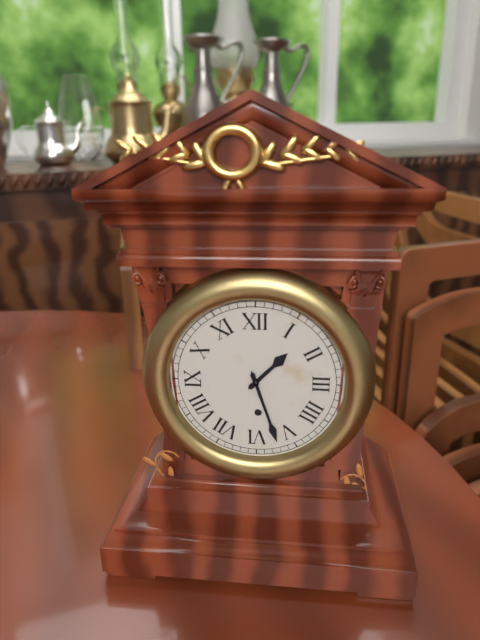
1:27
